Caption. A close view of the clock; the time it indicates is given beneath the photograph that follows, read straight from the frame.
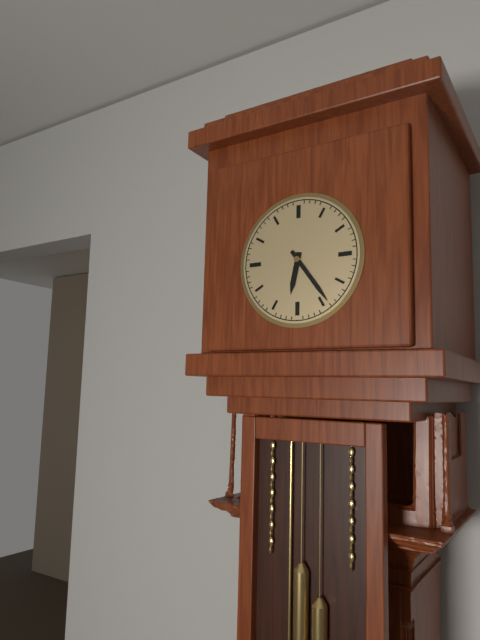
6:24
